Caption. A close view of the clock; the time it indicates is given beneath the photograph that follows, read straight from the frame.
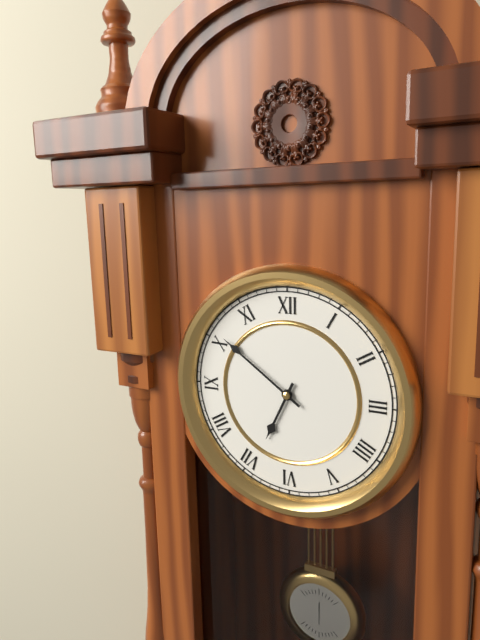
6:51
